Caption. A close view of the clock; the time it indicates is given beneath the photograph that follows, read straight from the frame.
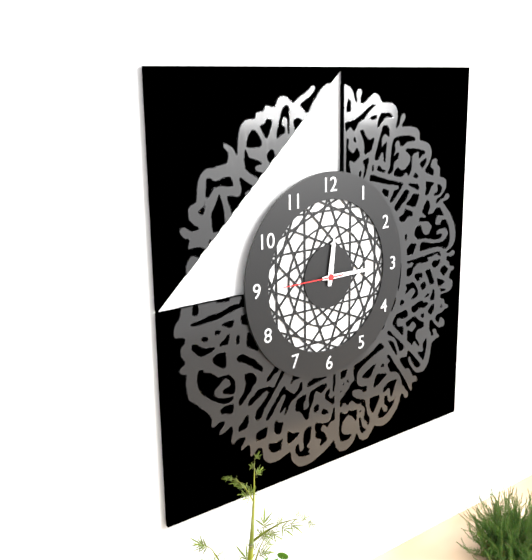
12:15:45
